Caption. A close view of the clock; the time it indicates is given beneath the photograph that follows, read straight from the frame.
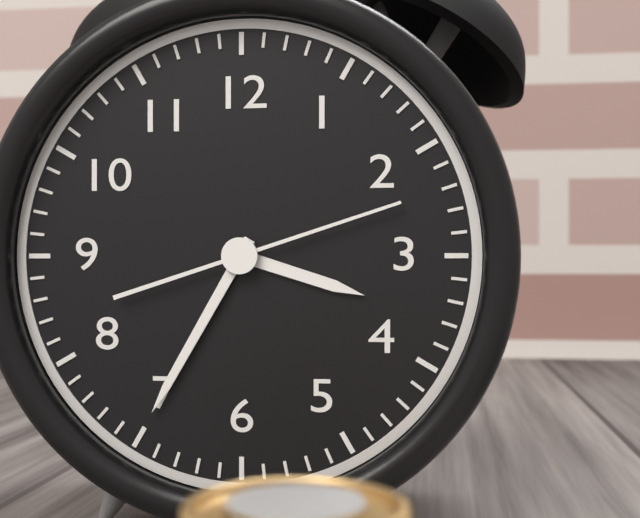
3:35:12
